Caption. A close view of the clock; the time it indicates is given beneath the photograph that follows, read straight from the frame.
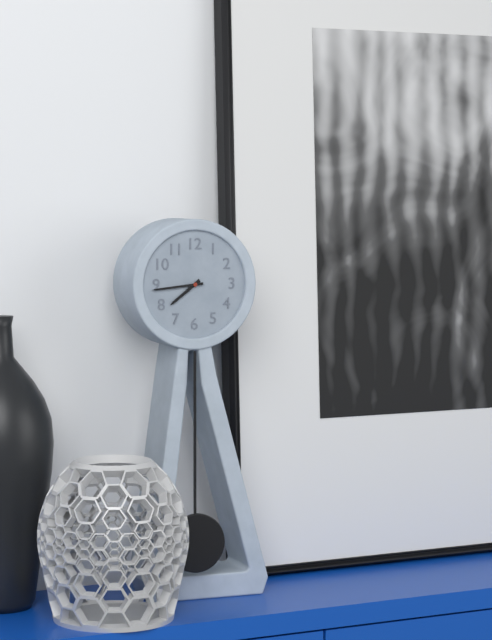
7:44
